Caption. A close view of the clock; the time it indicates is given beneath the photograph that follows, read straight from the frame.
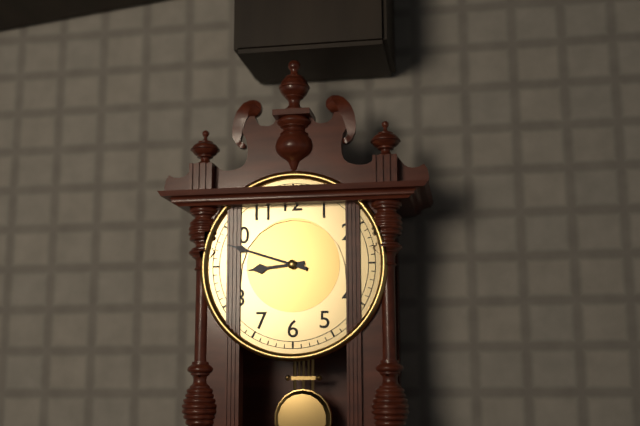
8:48
